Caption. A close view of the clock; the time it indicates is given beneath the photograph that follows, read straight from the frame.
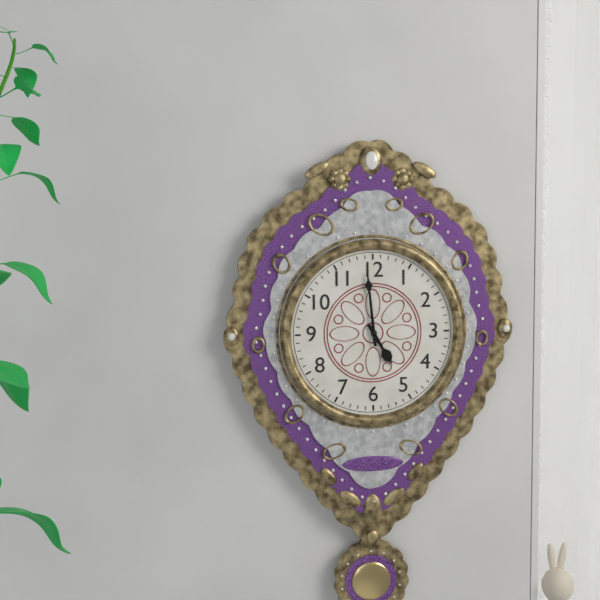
4:59
